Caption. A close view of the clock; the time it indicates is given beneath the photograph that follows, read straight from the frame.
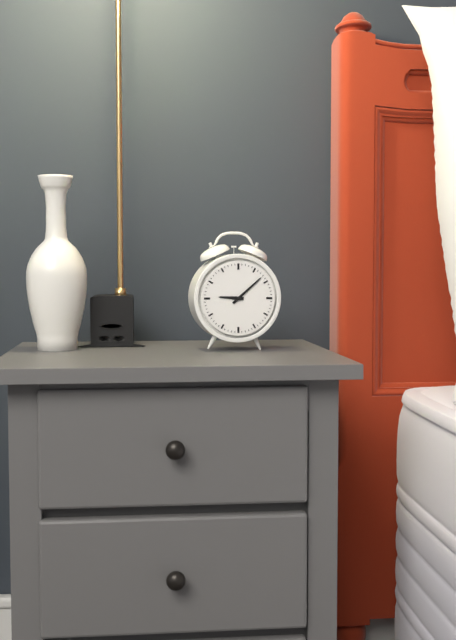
9:08
